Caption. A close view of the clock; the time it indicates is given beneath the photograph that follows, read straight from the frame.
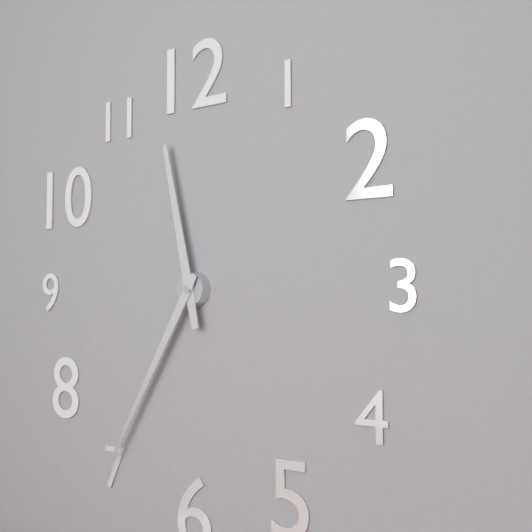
11:35
